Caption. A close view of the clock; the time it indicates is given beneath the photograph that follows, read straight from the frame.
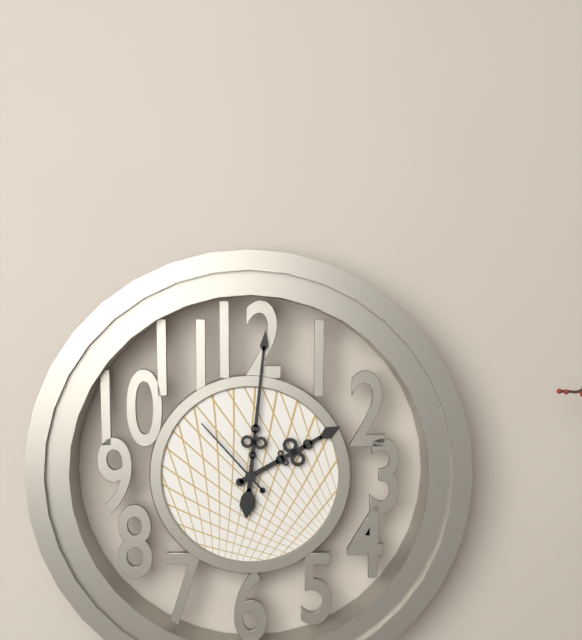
2:01:53
